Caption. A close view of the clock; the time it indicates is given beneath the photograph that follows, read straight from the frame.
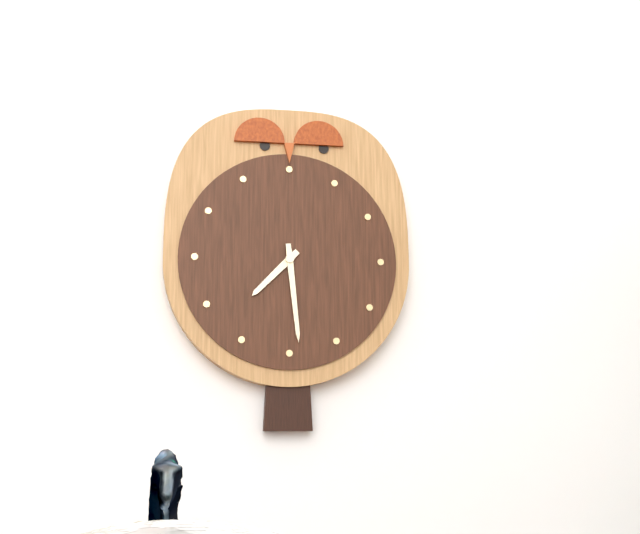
7:29
